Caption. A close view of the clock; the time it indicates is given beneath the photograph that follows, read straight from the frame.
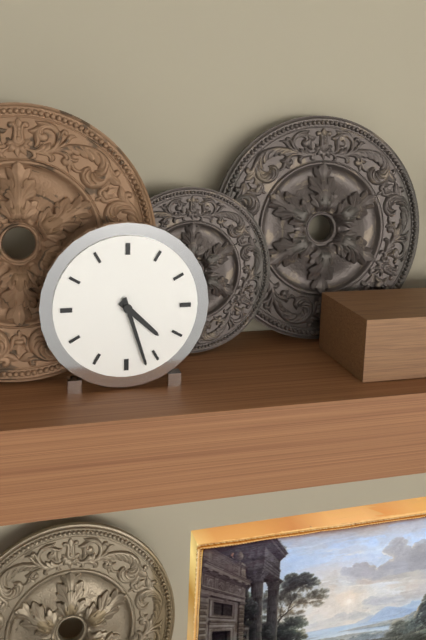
4:27
